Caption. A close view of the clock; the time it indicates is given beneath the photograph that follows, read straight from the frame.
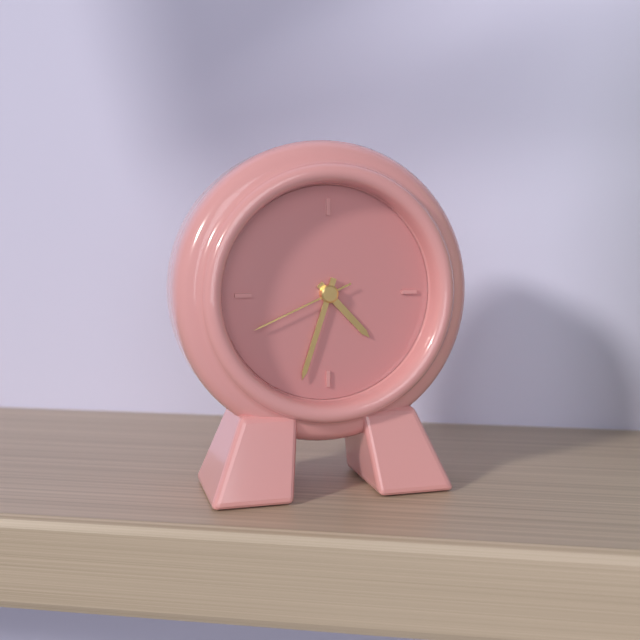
4:33:41
